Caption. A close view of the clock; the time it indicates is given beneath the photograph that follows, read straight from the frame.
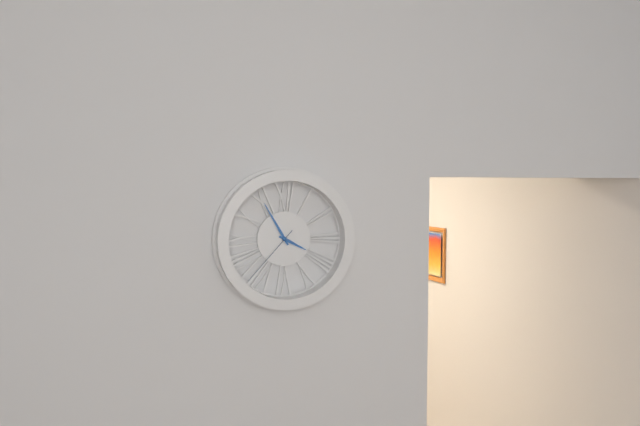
3:55:37
